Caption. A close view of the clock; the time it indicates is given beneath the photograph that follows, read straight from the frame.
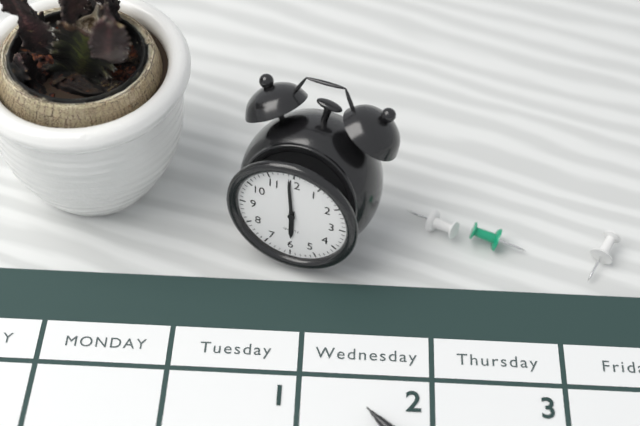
5:59
